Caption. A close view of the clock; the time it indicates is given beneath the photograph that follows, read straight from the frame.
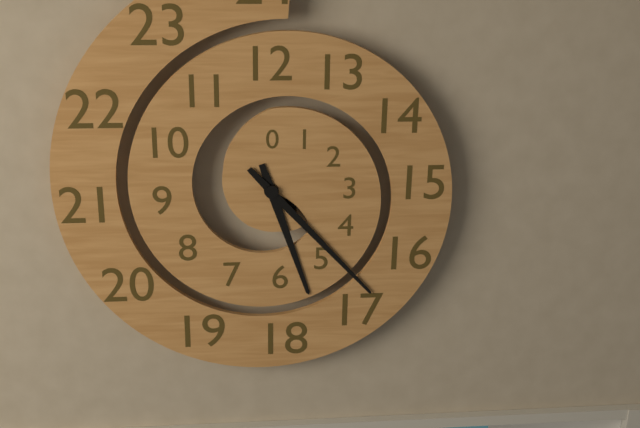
5:23
